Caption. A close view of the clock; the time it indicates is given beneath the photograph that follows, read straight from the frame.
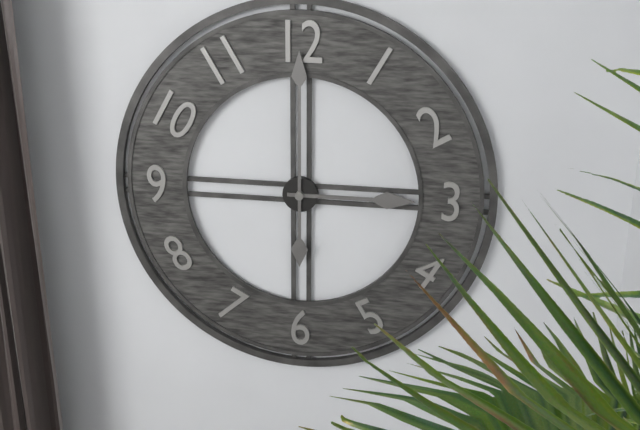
3:00
